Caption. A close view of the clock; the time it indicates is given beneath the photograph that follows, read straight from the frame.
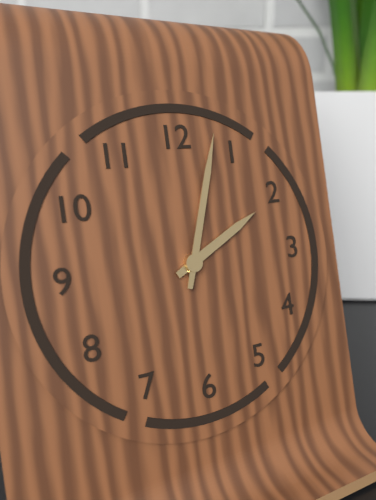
2:03
